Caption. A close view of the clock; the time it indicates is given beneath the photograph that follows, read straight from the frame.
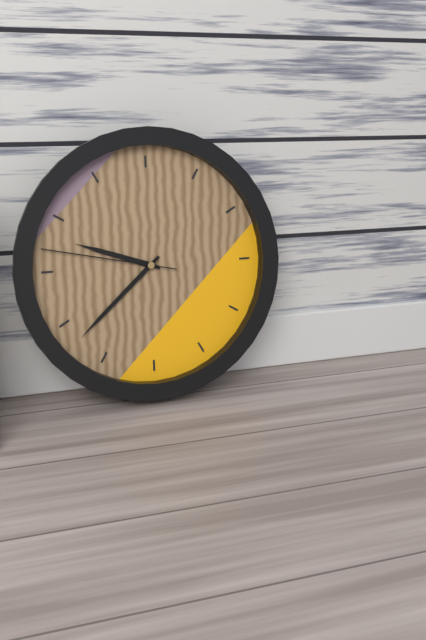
9:38:47
